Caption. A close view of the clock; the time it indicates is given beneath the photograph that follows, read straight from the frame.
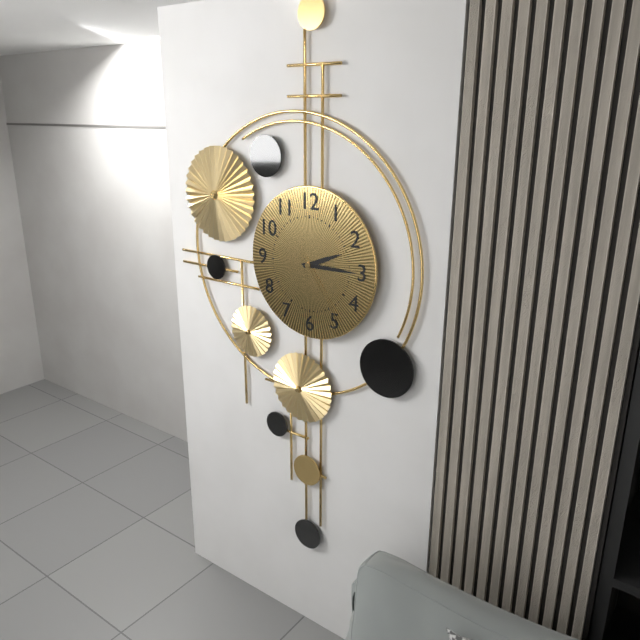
2:15:24
